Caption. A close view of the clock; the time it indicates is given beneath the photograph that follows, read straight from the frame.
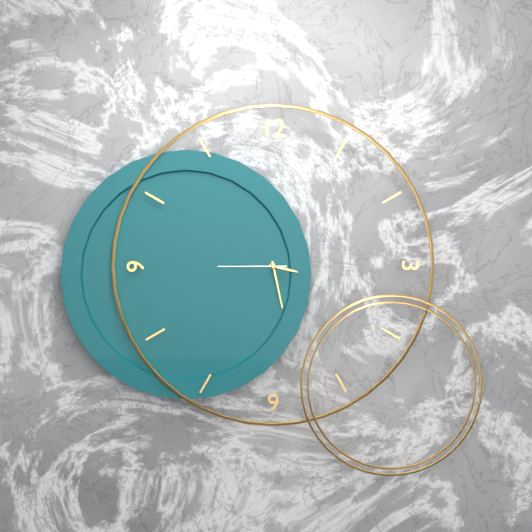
3:28:45
